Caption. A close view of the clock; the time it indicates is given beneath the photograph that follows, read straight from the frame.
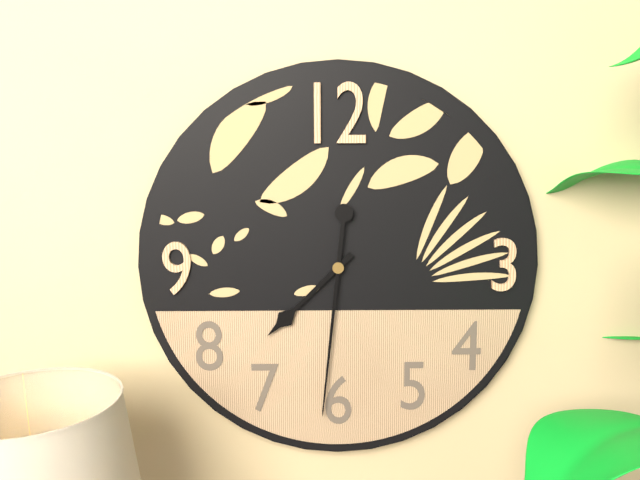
7:31
